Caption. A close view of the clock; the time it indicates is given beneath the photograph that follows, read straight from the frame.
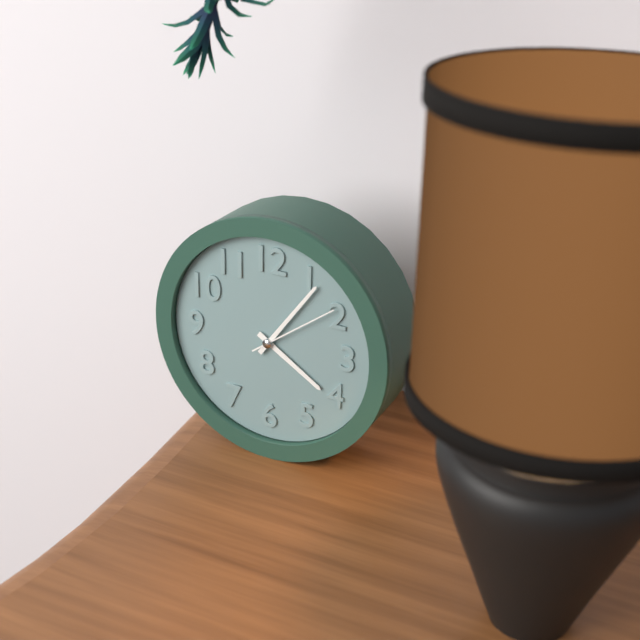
4:06:09
